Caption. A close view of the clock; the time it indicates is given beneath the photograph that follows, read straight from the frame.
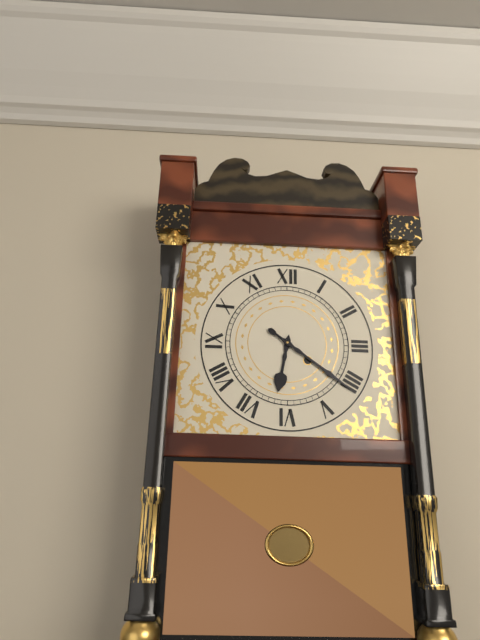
6:21
